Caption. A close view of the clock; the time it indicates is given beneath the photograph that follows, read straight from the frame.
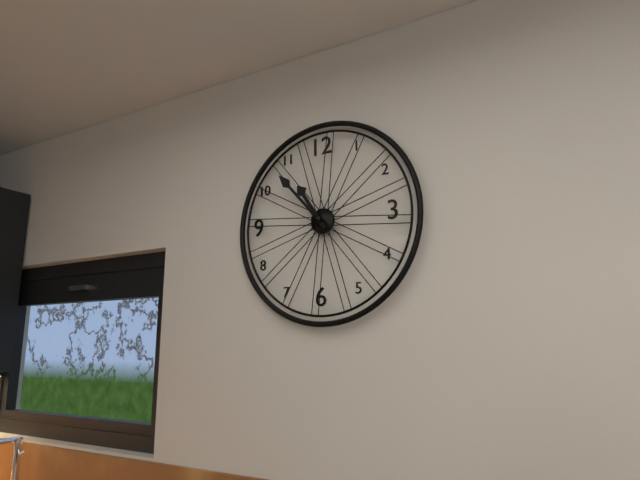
10:53
